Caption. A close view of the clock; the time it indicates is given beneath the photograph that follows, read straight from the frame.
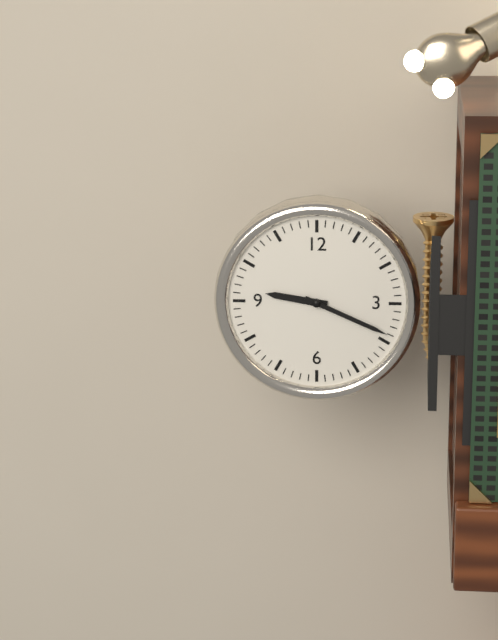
9:19
